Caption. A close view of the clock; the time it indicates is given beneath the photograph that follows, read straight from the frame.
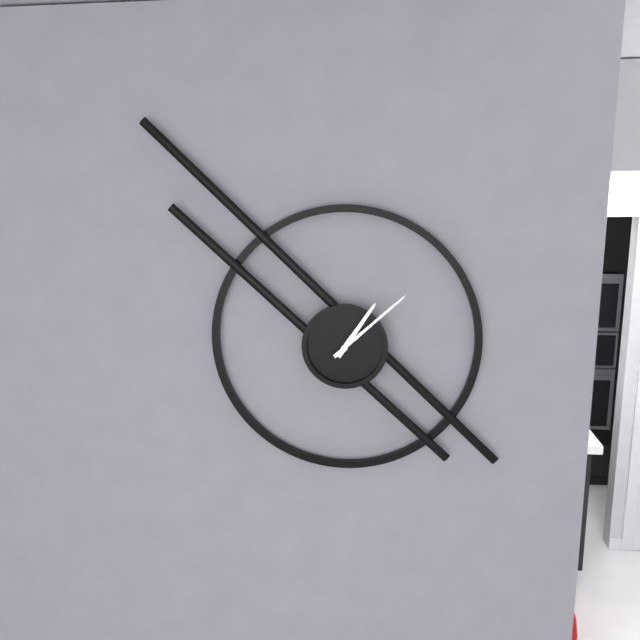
1:08
